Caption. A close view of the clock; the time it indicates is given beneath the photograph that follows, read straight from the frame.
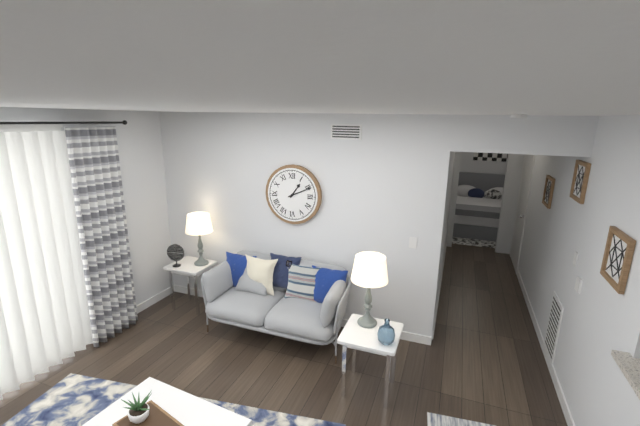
1:11
